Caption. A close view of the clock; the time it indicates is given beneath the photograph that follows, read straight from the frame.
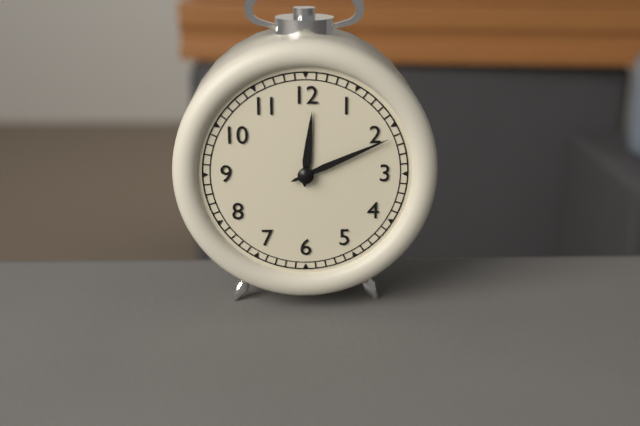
12:11
